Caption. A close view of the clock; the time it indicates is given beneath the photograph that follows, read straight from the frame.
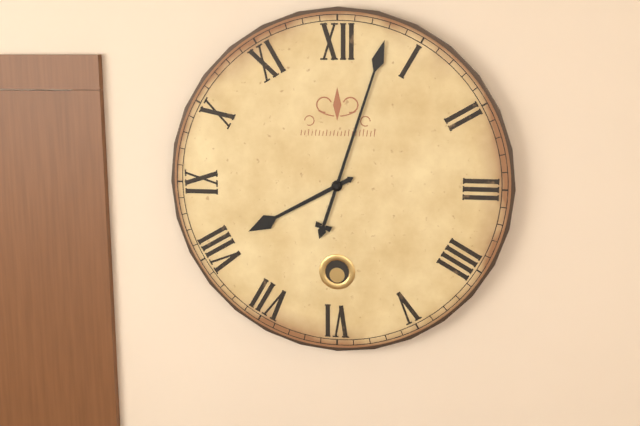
8:03
